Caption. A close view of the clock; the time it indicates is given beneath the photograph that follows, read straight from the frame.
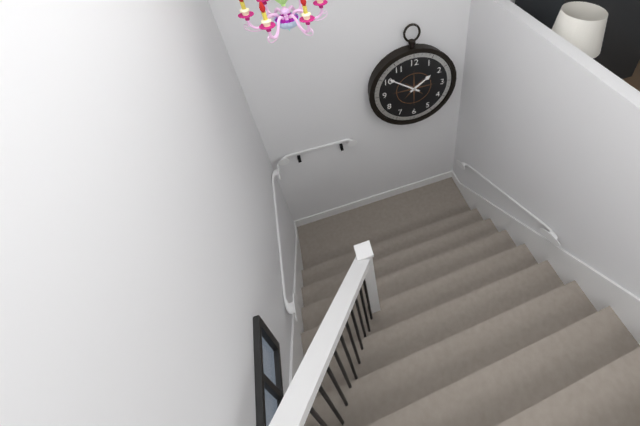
1:51
